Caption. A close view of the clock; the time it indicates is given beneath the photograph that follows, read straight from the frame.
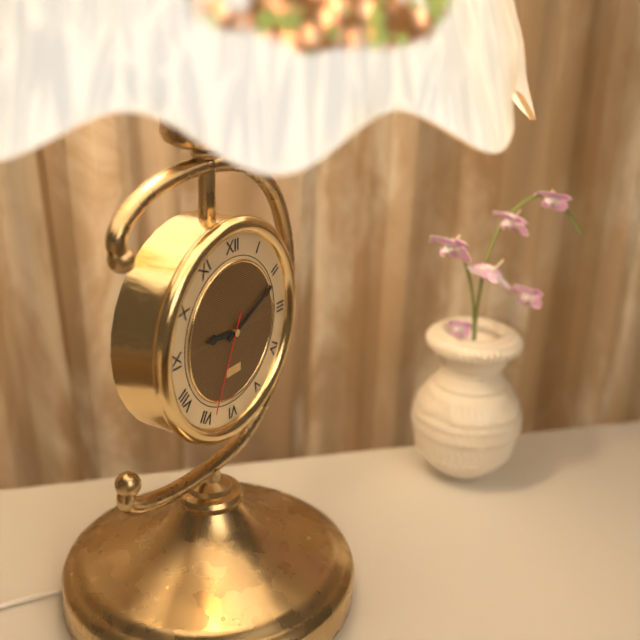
9:11:34
